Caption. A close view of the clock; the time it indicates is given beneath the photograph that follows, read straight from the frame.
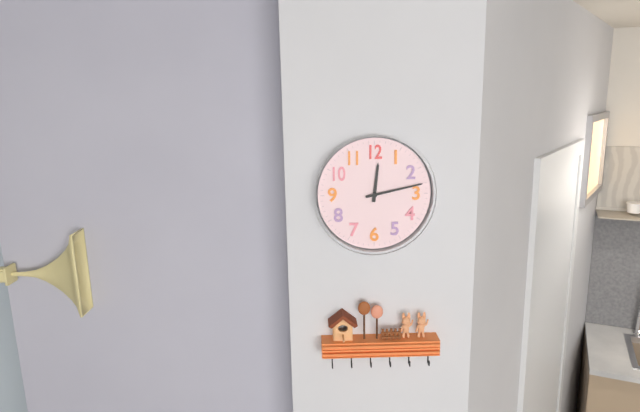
12:13
